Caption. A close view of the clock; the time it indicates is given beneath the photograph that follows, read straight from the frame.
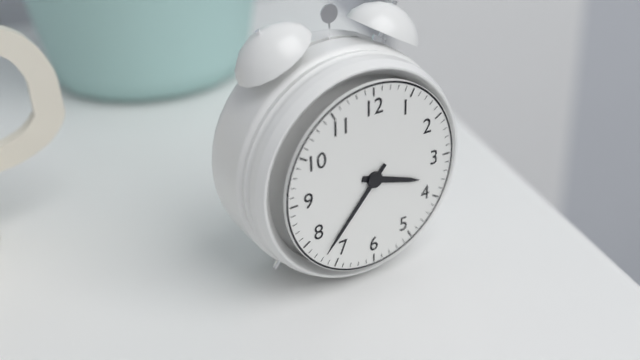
3:37
